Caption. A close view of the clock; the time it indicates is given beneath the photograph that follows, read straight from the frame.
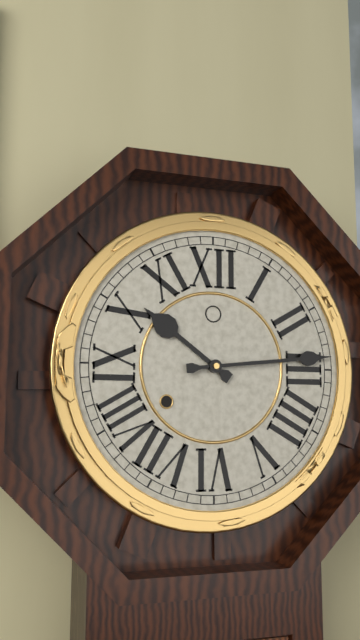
10:14
